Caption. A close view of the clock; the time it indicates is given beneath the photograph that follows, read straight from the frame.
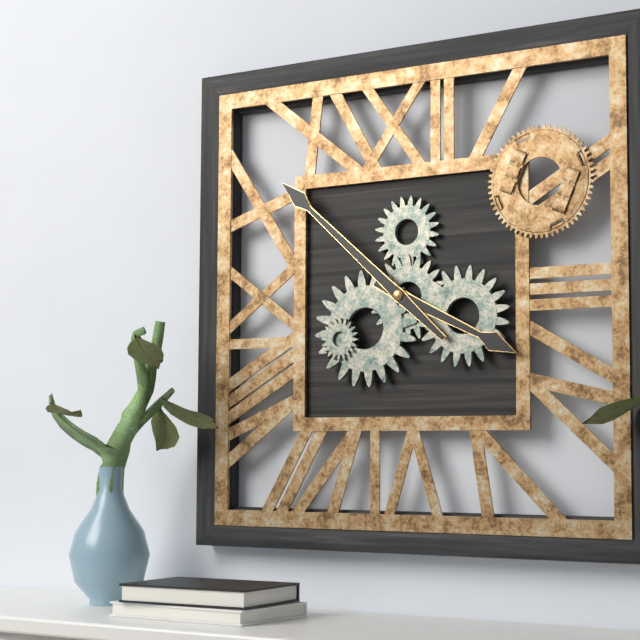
3:52
